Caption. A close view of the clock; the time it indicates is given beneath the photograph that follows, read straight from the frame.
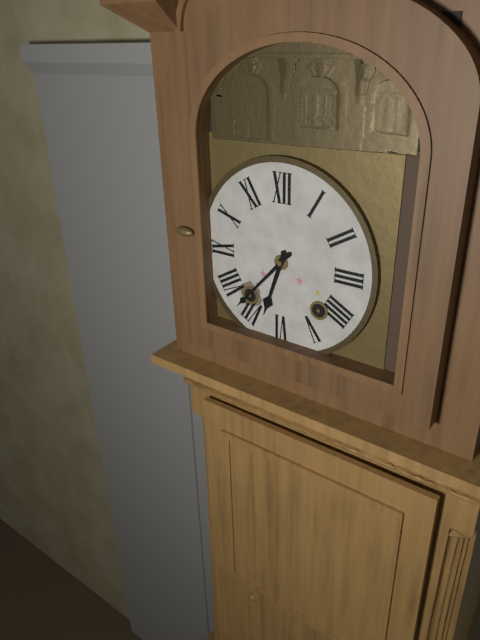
6:37
